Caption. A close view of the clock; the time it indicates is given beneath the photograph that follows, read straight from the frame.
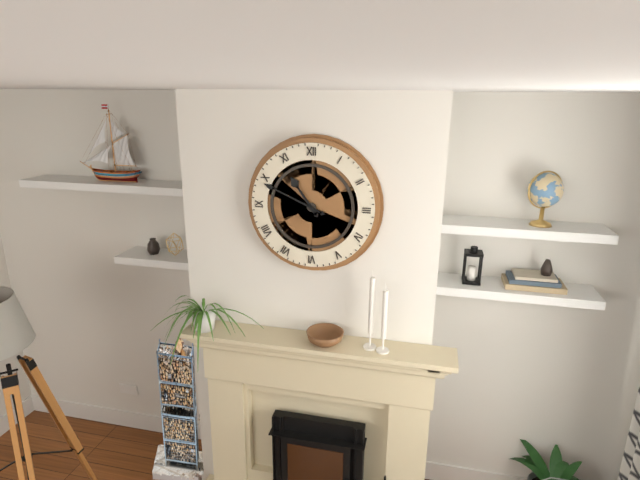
10:49
